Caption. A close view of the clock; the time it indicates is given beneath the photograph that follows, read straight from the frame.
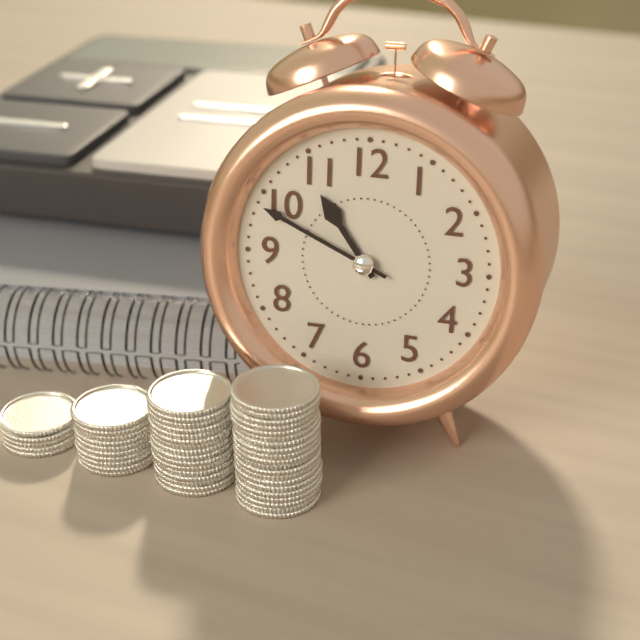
10:49
